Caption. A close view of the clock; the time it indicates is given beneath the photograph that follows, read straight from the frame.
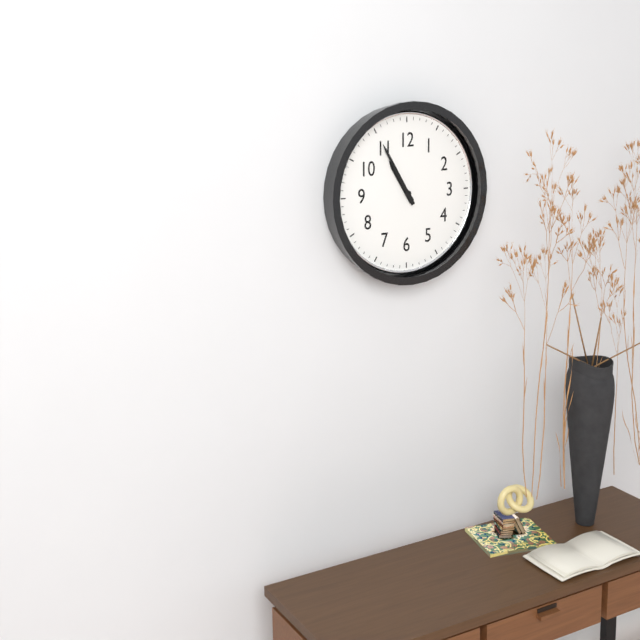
10:55
